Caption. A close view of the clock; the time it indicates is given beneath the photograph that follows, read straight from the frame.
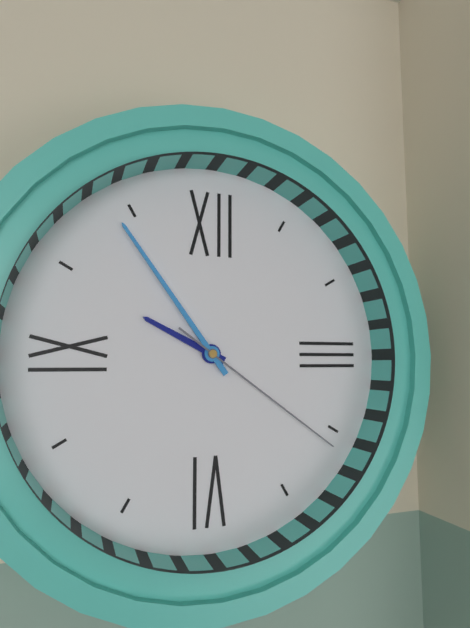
9:54:21
